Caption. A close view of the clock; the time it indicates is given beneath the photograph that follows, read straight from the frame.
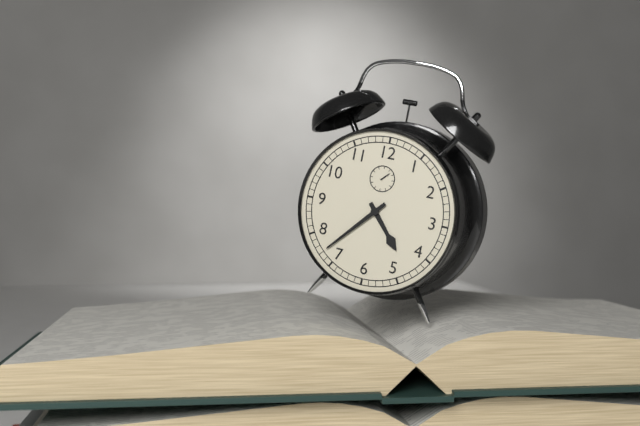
4:37
